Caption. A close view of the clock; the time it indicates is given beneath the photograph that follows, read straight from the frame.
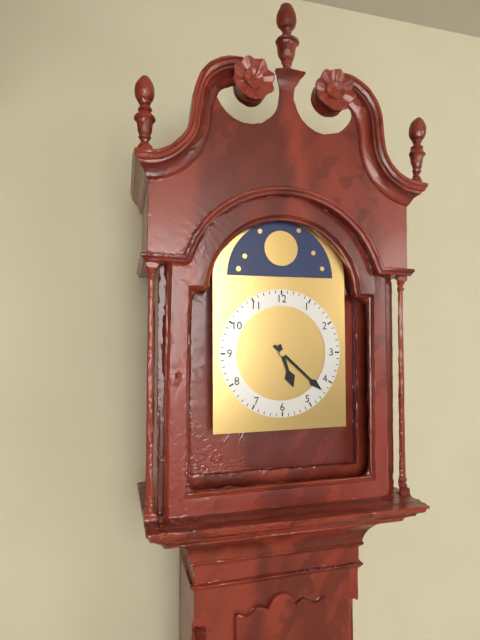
5:22
